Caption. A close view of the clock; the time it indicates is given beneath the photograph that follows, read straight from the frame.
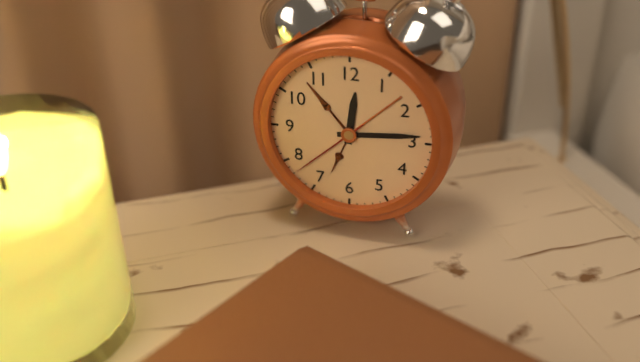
12:14:38
